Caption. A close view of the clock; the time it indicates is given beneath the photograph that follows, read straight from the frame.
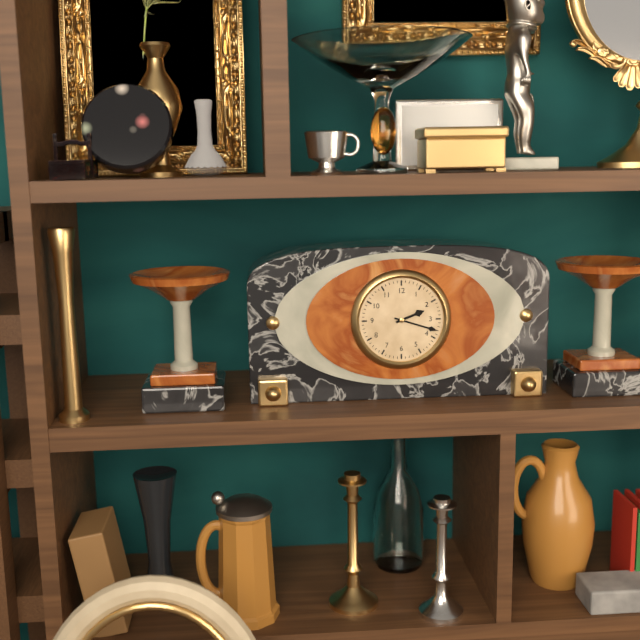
2:18
